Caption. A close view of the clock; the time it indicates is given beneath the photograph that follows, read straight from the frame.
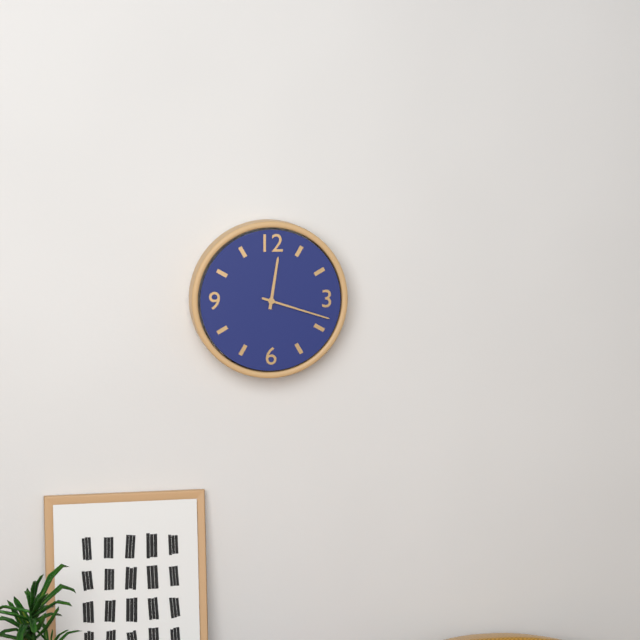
12:18
